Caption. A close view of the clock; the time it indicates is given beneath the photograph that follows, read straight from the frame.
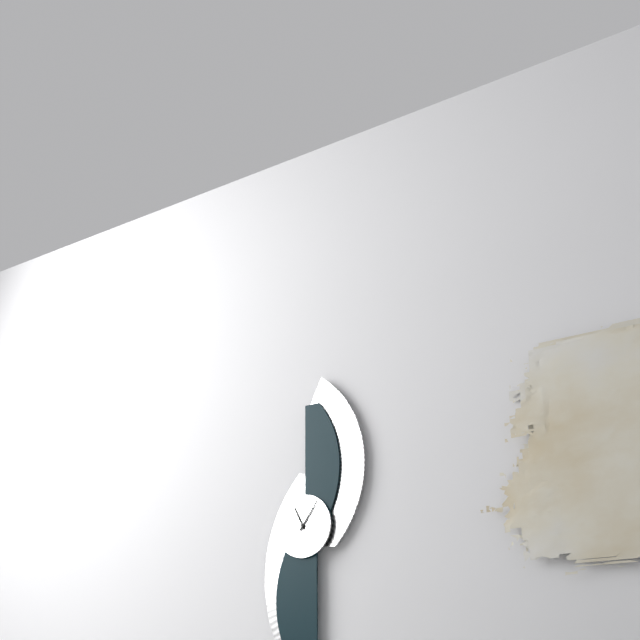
11:06
